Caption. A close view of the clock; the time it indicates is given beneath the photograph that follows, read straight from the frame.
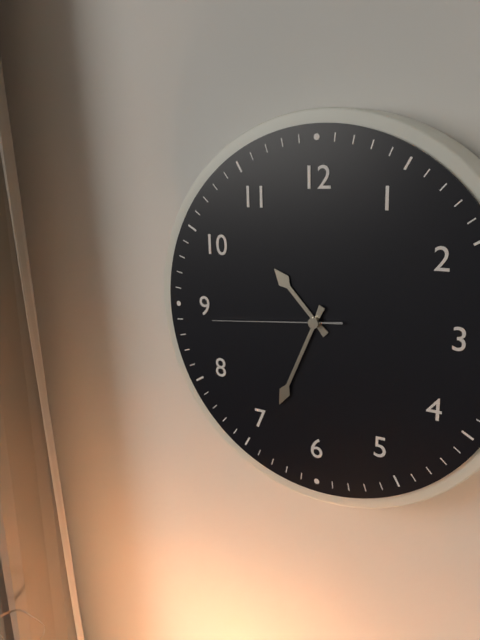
10:34:44
